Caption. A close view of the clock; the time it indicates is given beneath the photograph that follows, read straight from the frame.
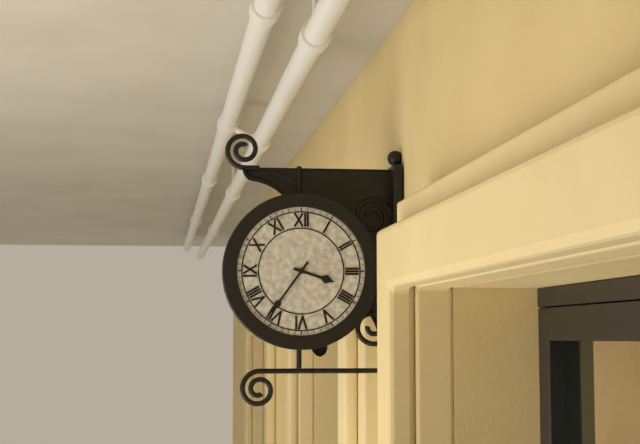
3:36
